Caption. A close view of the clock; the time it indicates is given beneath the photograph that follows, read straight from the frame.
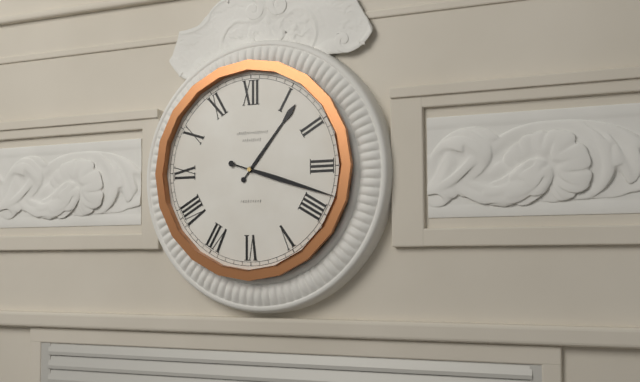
1:18
